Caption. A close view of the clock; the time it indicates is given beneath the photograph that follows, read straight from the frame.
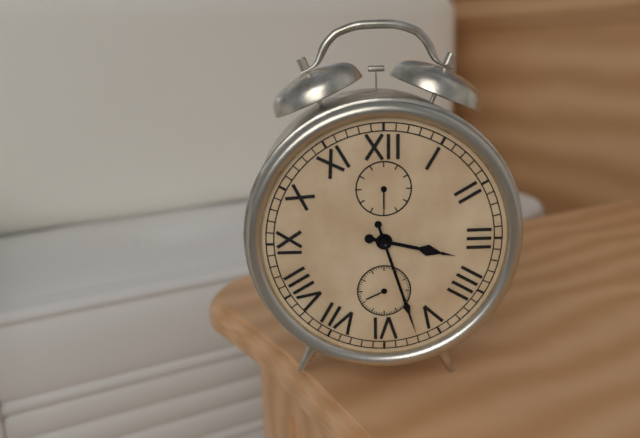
3:27
